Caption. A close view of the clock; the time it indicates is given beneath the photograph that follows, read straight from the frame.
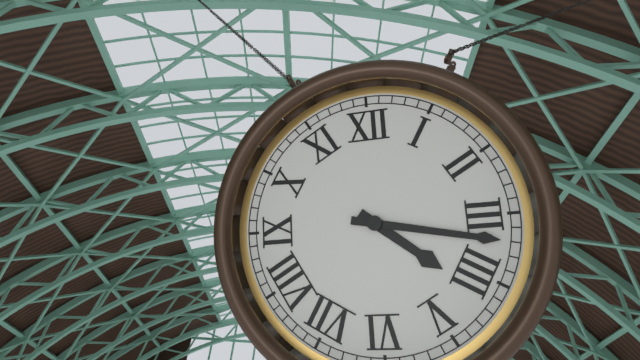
4:17
